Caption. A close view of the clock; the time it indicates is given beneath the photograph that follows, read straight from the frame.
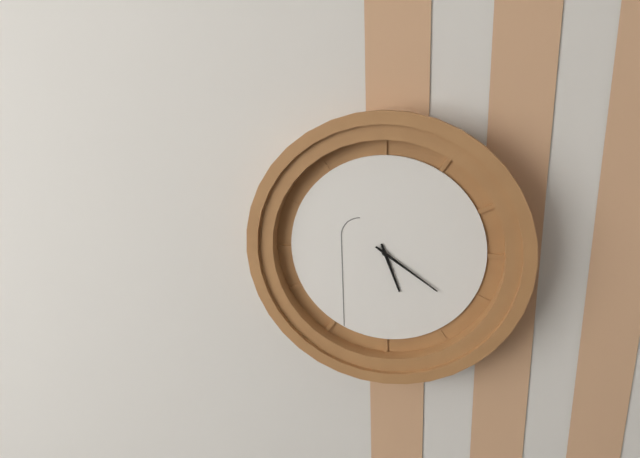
5:21
